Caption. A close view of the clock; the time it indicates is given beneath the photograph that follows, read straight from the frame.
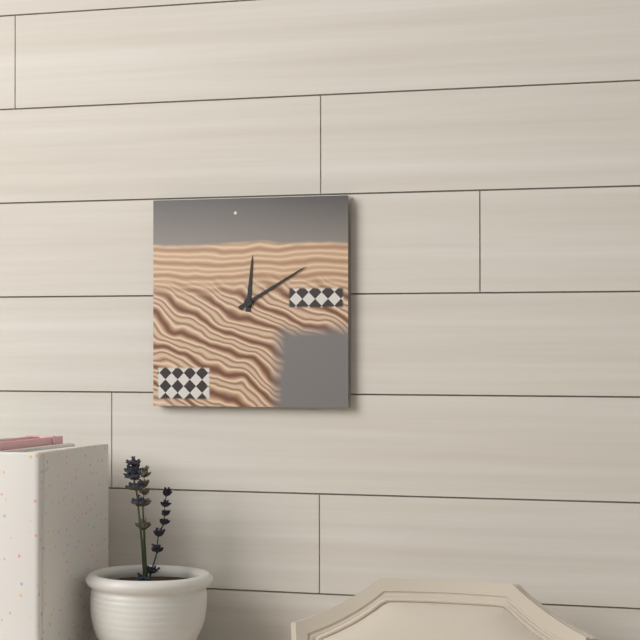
12:10
